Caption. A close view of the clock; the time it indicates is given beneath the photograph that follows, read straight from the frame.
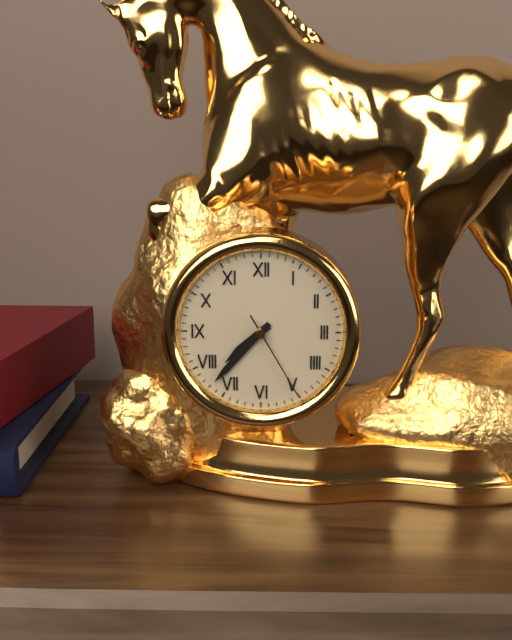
7:37:25
